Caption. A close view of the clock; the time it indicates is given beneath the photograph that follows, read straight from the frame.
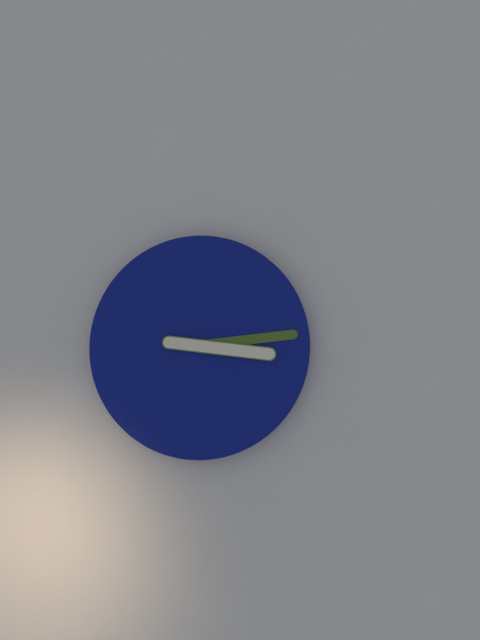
3:14
